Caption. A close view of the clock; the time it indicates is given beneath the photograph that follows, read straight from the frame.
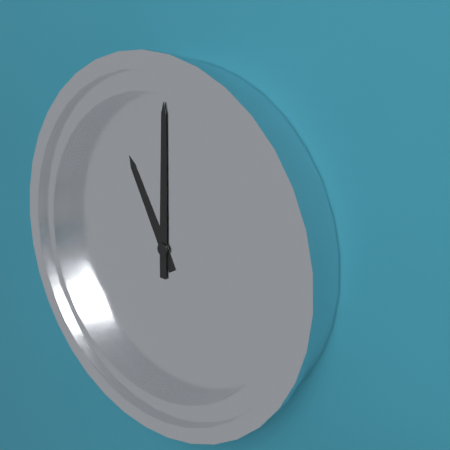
11:00
